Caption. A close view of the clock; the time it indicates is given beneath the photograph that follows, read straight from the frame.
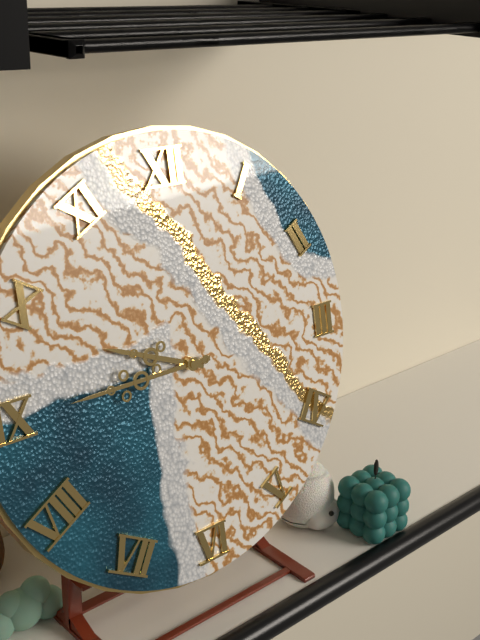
9:45
